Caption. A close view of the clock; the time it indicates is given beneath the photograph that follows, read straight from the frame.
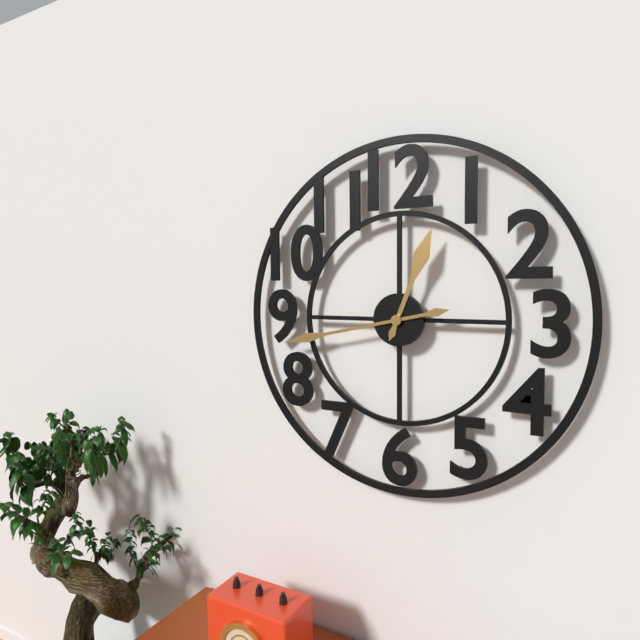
12:43
